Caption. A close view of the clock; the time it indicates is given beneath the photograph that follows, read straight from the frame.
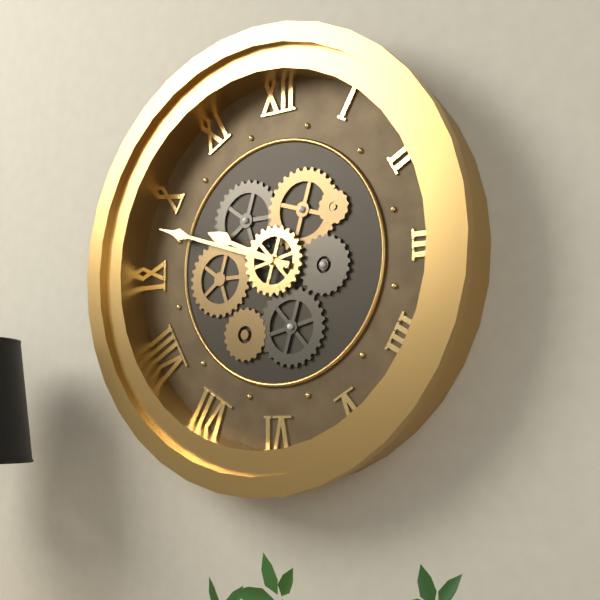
9:48
